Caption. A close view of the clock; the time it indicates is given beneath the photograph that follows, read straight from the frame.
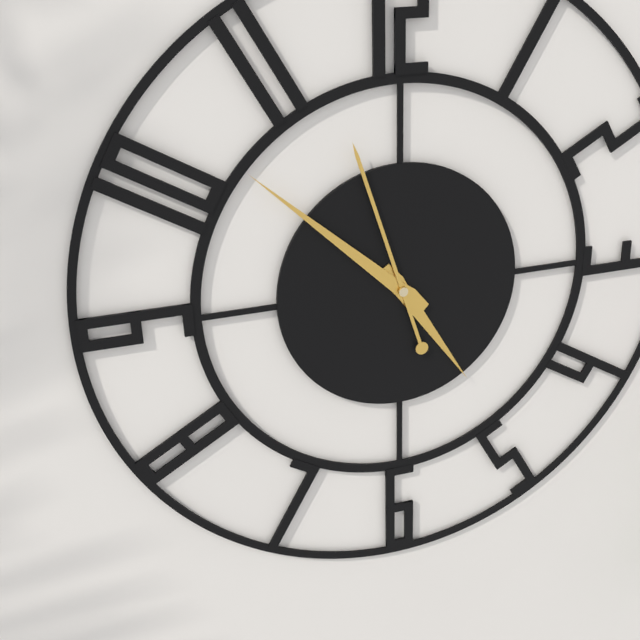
4:52:57
